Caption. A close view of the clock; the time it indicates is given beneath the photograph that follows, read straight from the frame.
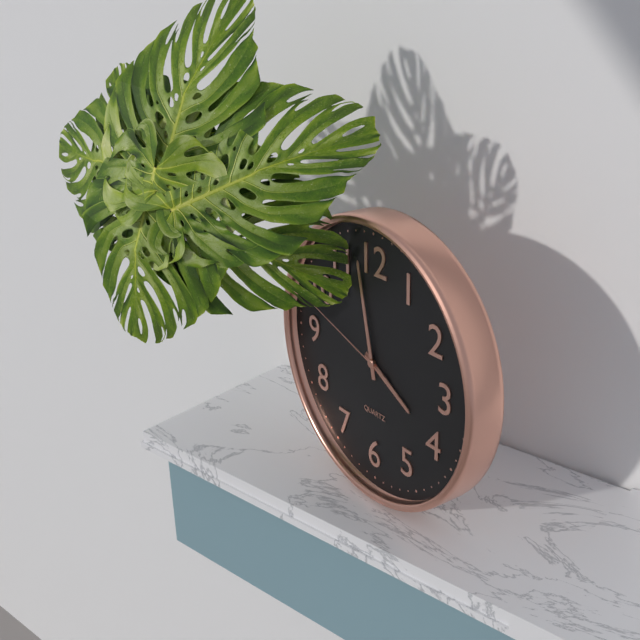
3:58:48
